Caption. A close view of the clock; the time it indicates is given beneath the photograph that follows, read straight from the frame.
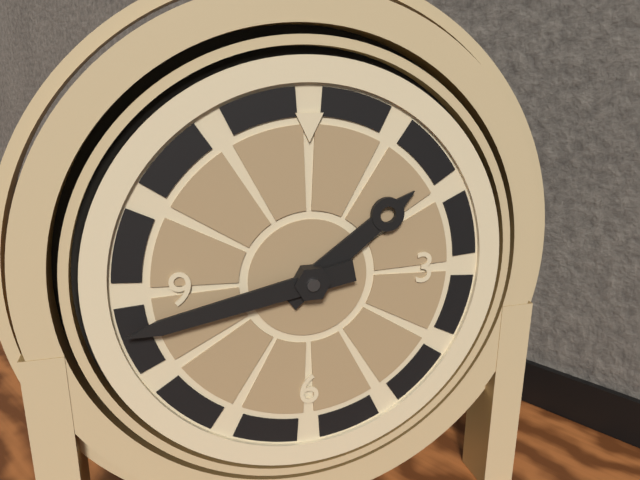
1:43
